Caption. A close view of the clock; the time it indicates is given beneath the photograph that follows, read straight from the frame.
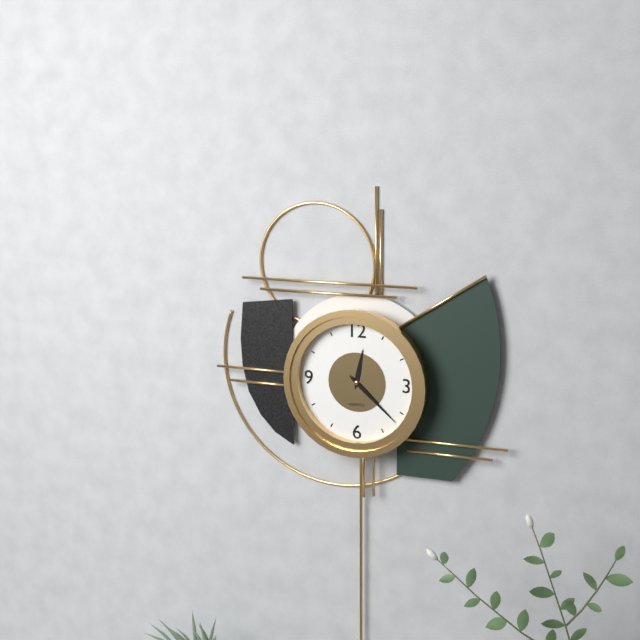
12:22
